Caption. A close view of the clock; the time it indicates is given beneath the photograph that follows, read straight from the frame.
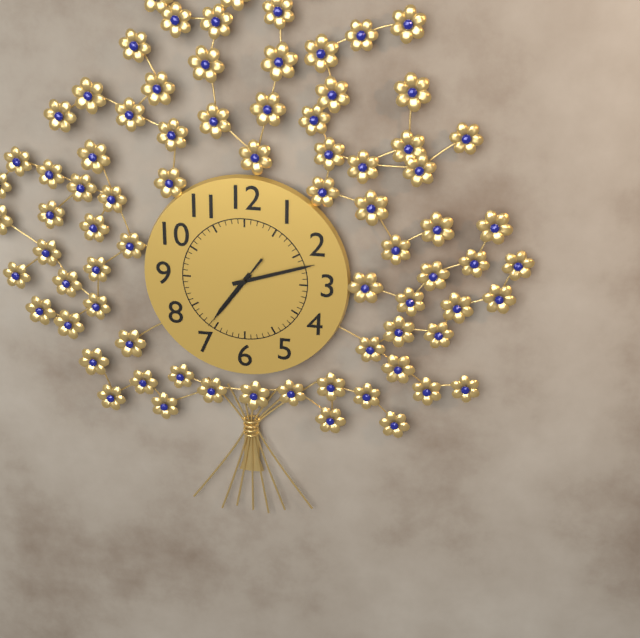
7:12:36
